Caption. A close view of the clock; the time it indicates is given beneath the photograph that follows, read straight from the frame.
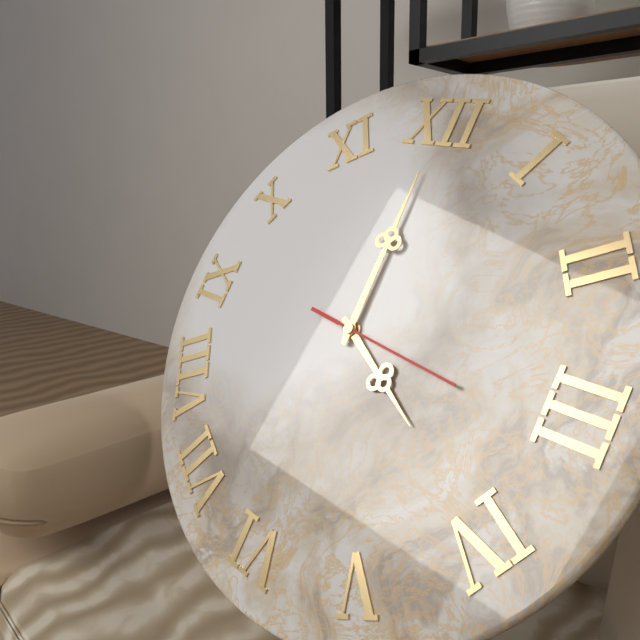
4:00:16
